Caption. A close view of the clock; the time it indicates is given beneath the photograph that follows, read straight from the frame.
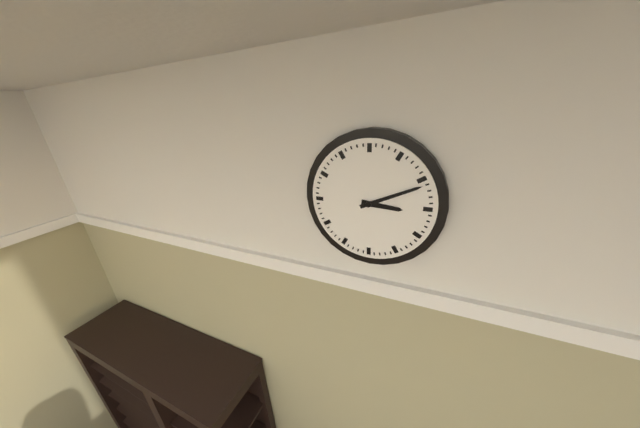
3:11
